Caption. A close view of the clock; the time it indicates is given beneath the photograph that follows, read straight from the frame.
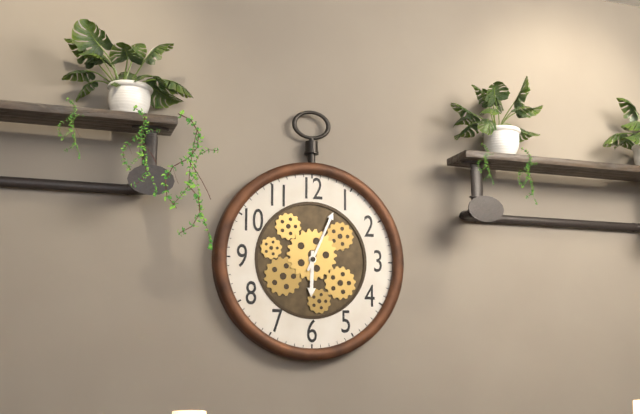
6:04
